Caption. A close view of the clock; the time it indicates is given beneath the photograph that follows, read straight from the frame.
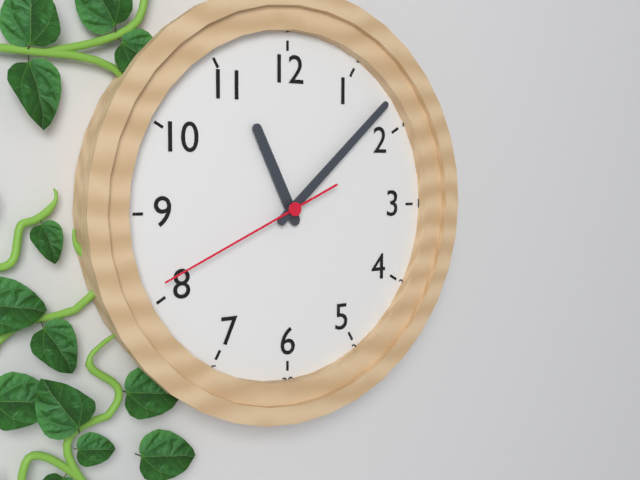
11:08:41
